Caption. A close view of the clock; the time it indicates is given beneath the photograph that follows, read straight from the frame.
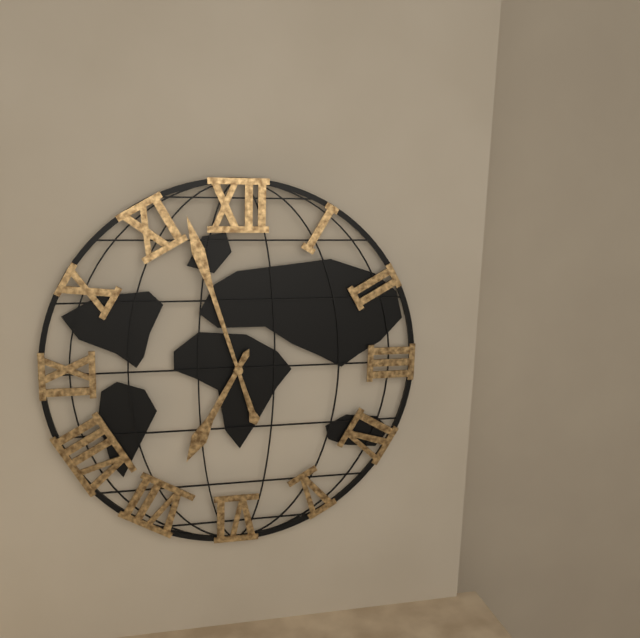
6:57
